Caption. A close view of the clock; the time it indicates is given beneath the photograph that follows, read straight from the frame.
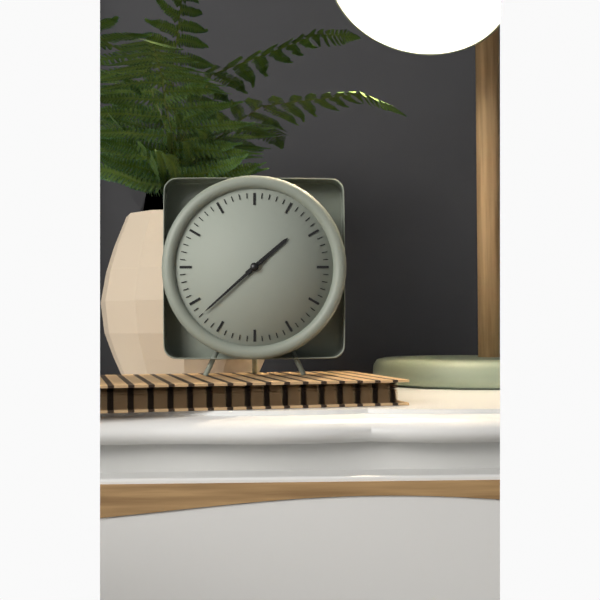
1:38
